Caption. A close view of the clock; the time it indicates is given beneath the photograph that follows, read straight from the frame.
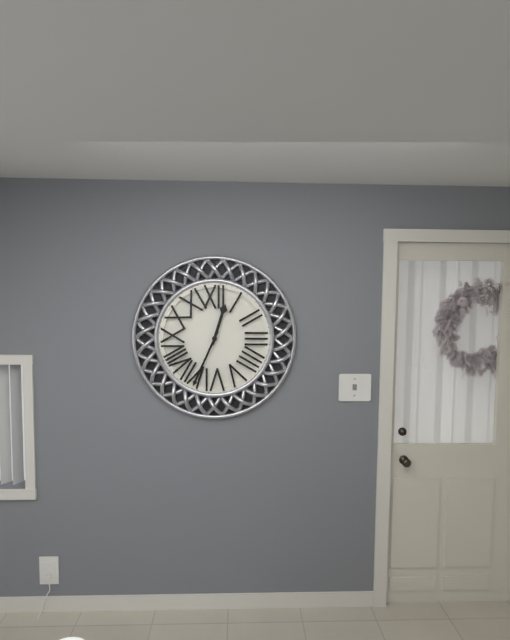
12:34
